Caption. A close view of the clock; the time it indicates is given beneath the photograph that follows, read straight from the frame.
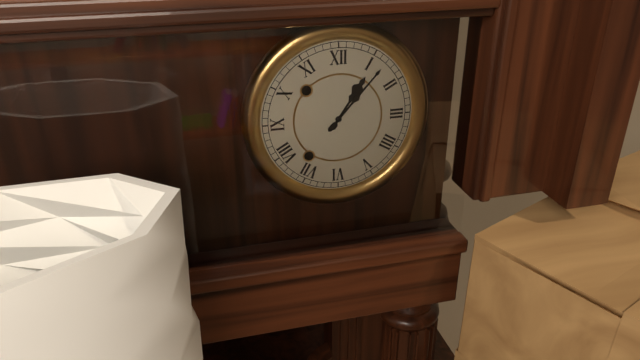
1:07
